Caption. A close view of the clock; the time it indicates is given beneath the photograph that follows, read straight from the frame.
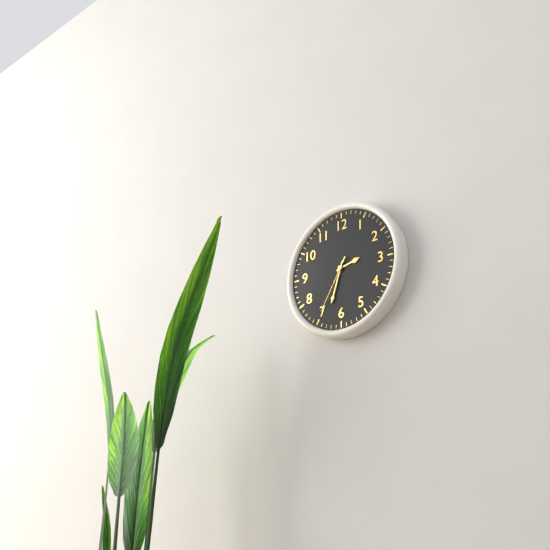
2:33:35
